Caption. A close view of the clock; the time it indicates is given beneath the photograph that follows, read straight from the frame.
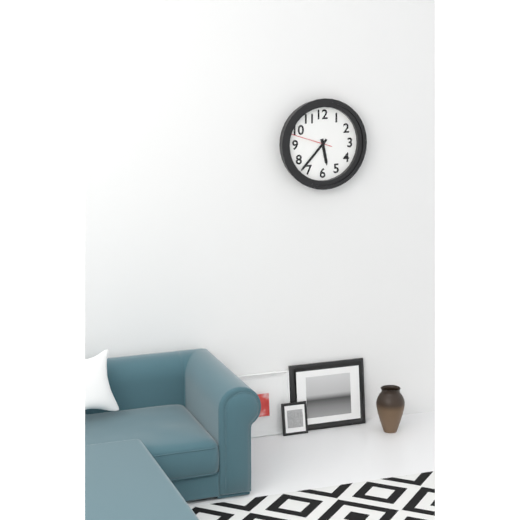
5:37
